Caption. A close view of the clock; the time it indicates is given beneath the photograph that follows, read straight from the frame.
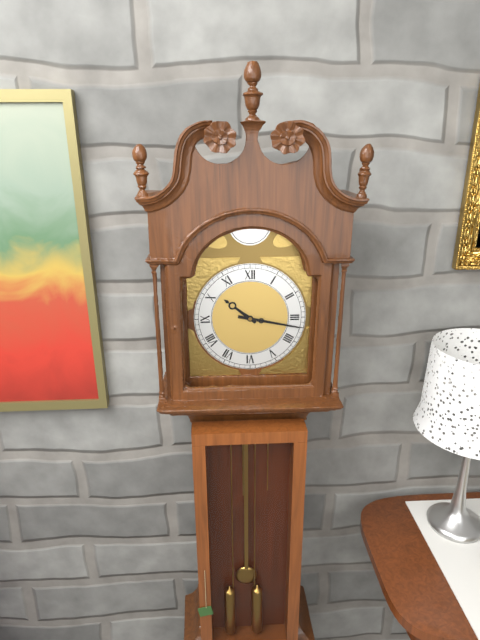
10:17
